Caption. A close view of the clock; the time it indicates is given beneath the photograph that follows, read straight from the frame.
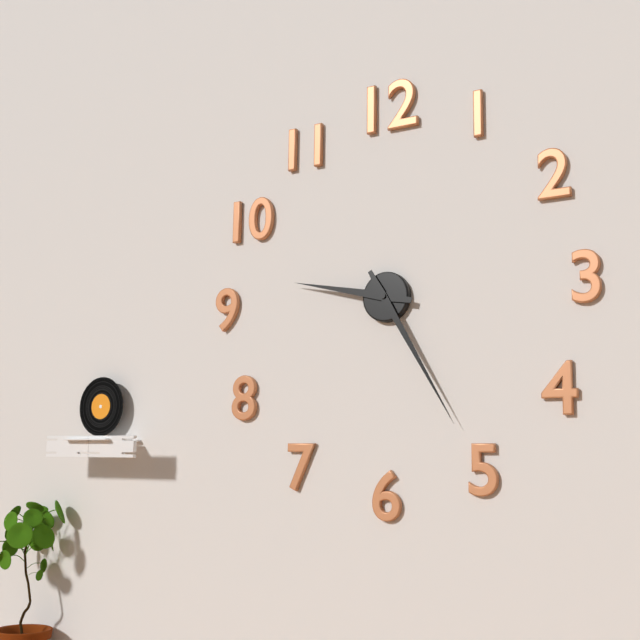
9:25
